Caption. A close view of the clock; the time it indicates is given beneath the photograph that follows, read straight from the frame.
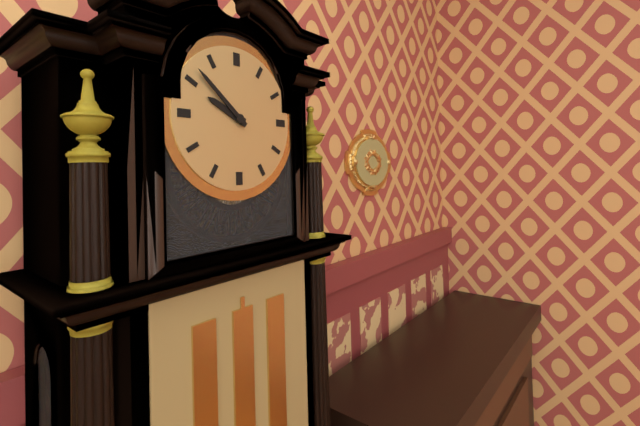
9:52
